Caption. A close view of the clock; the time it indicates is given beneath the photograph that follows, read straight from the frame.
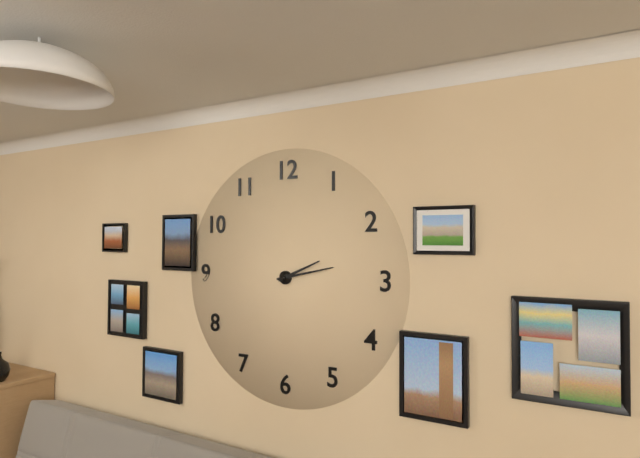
2:13
